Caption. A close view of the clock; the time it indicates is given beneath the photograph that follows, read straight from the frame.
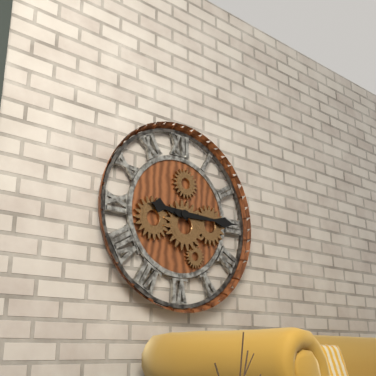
9:15
